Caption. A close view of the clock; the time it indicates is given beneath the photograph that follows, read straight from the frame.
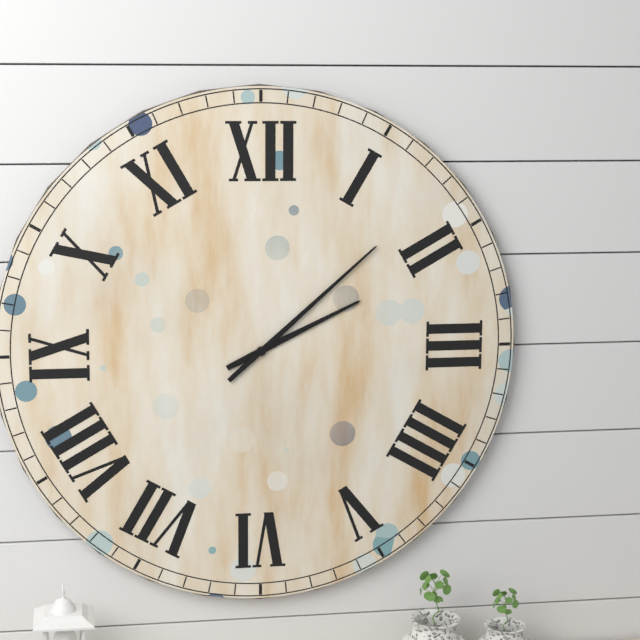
2:08
